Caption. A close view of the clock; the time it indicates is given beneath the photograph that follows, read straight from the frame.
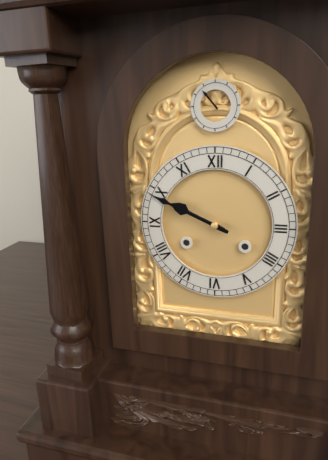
9:49
